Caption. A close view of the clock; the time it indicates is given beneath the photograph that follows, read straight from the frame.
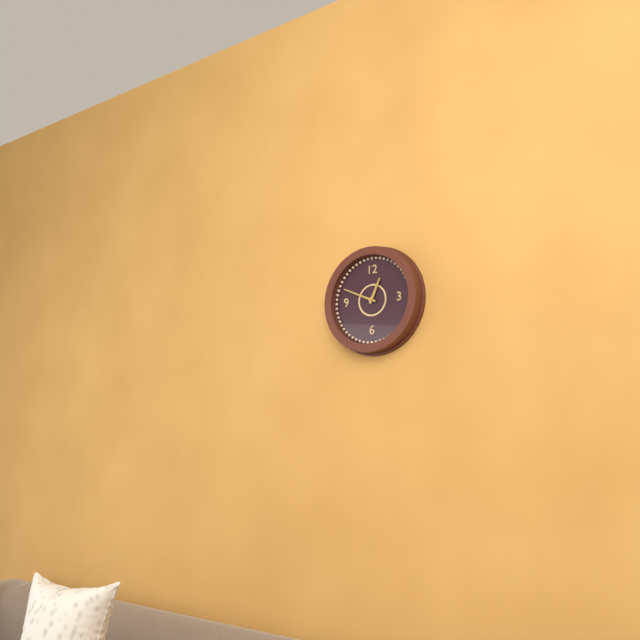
12:49
